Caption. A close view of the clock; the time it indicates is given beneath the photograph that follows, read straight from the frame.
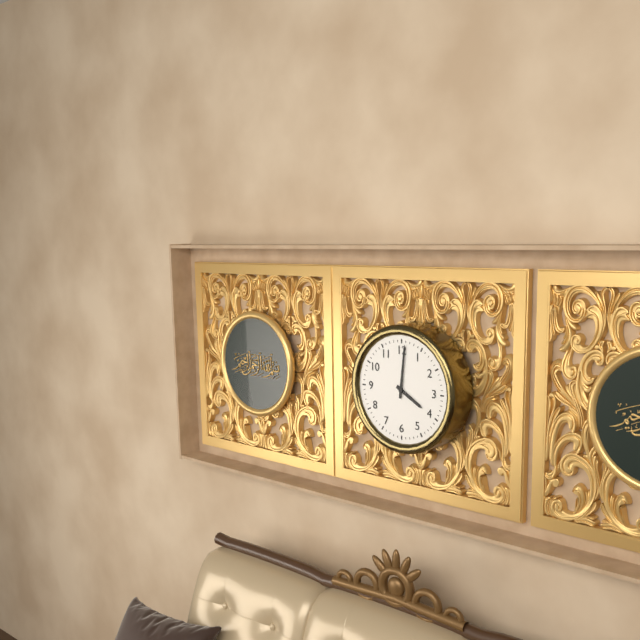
4:01
